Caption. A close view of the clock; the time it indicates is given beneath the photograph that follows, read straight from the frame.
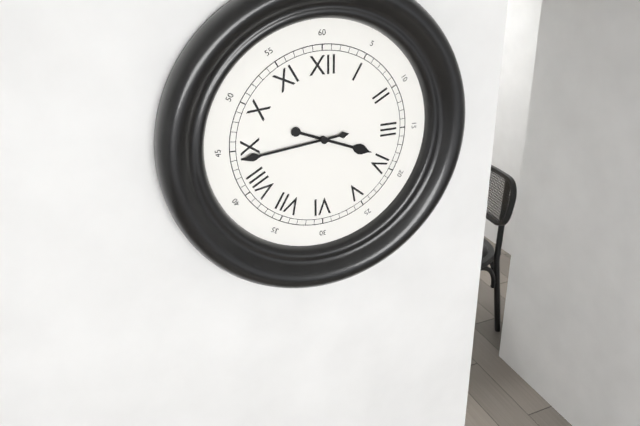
3:44
